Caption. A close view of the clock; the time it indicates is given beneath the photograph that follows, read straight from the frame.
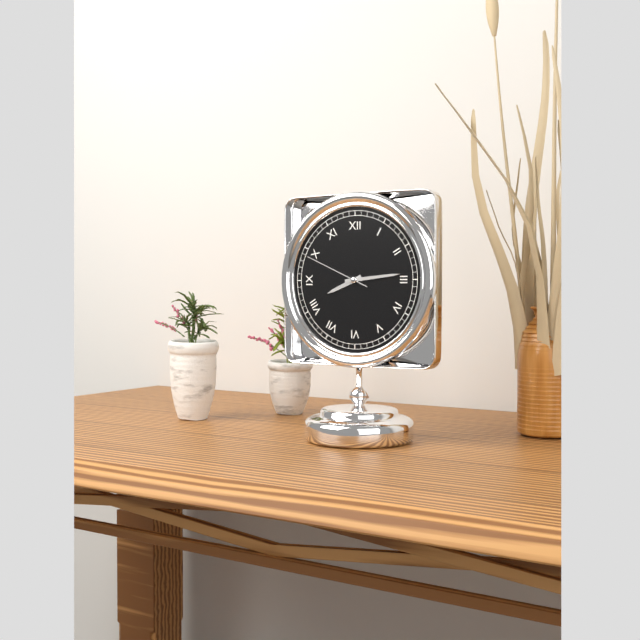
8:14:49
